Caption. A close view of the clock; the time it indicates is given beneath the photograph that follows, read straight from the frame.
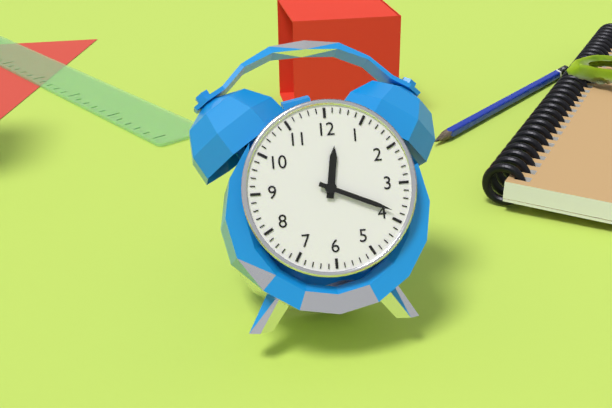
12:19
